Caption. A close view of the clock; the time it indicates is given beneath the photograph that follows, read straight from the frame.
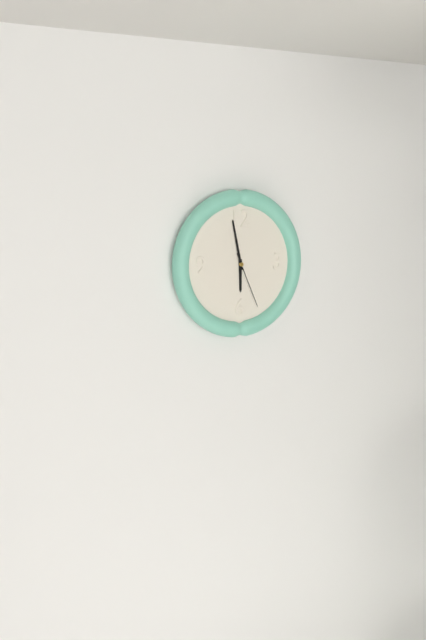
5:58:26
